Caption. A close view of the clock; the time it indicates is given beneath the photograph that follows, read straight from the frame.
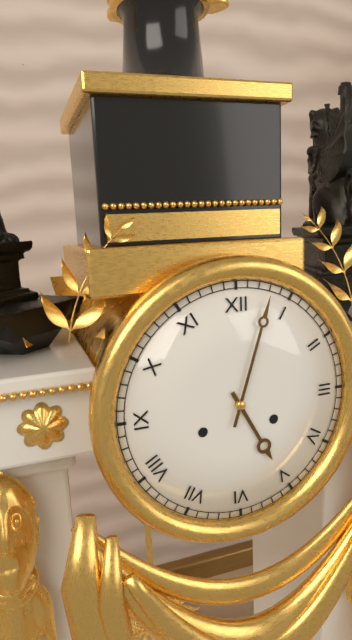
5:03
